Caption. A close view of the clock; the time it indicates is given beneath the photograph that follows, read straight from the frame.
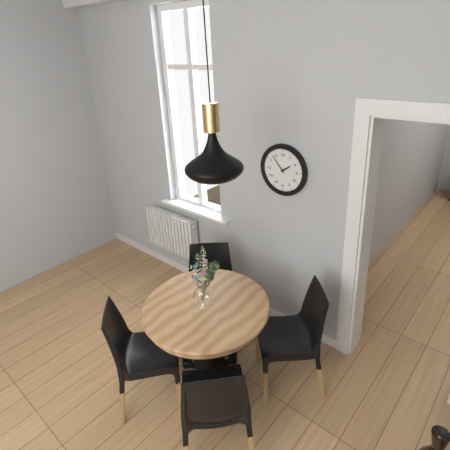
1:53
